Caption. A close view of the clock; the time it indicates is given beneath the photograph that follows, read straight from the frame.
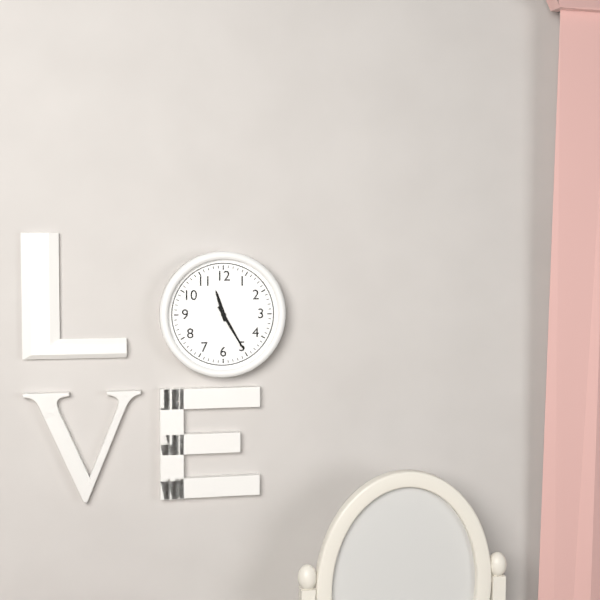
11:25
